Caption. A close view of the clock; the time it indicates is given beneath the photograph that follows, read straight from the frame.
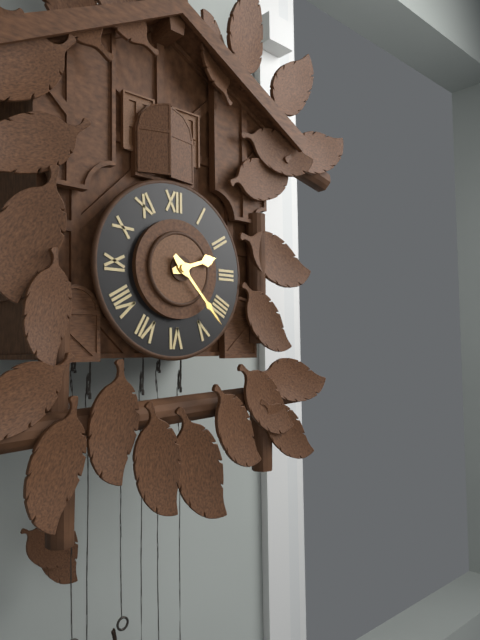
2:23
